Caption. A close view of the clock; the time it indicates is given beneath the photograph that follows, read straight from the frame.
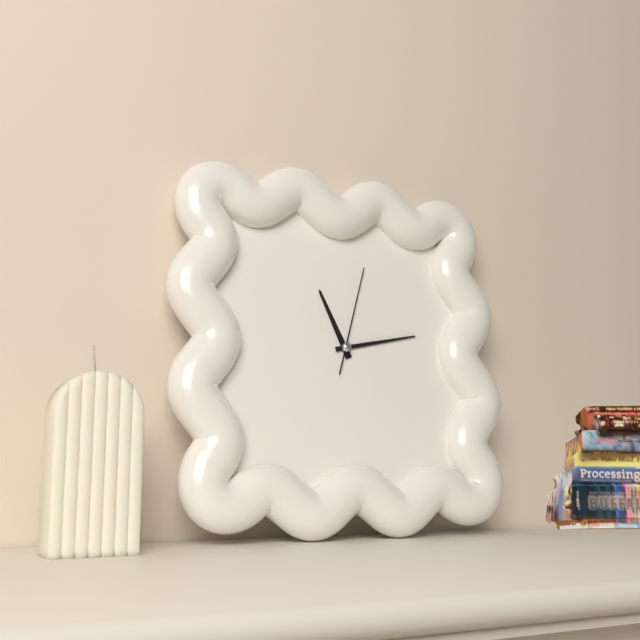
11:13:03
